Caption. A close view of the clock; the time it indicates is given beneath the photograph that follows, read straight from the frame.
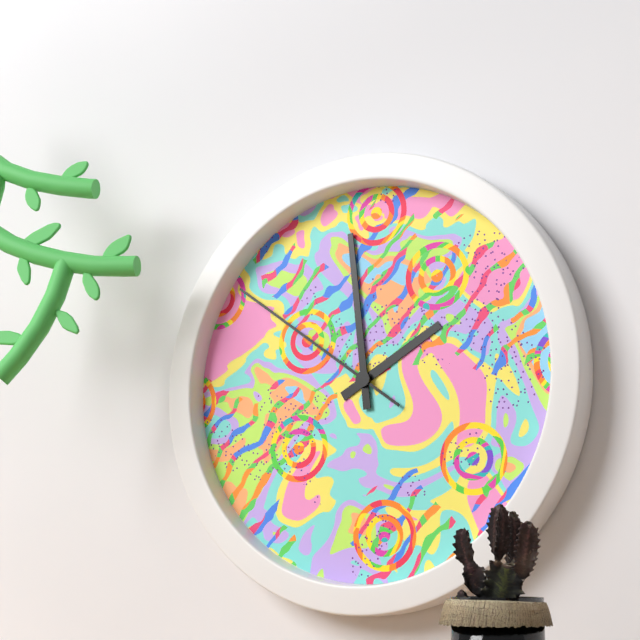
1:59:51
